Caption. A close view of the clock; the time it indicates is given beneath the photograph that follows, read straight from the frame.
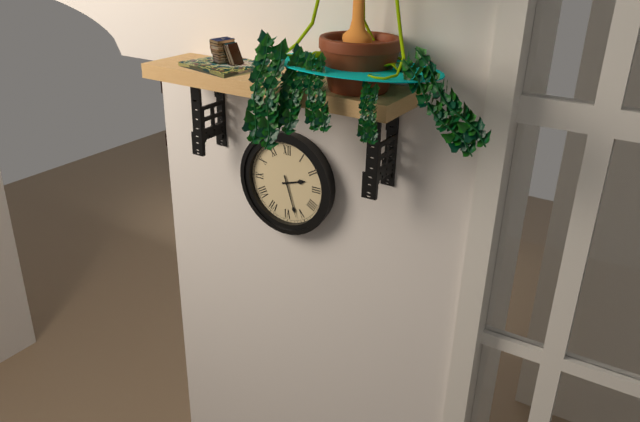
2:27
